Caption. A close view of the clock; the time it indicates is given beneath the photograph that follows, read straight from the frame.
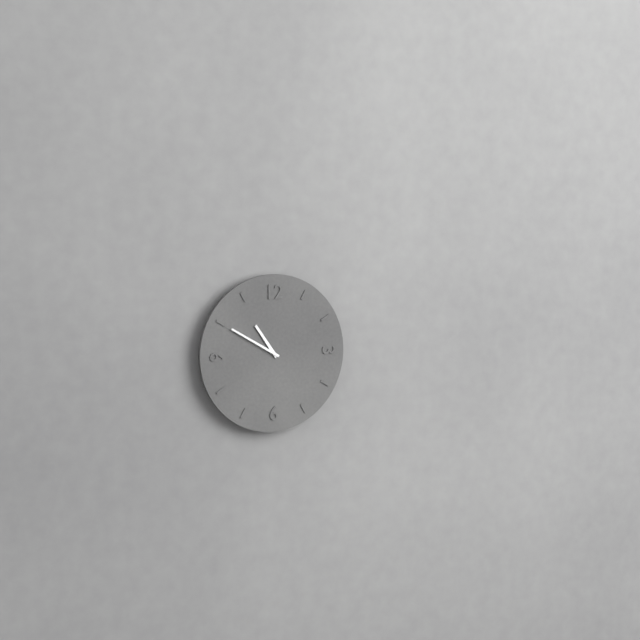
10:50
